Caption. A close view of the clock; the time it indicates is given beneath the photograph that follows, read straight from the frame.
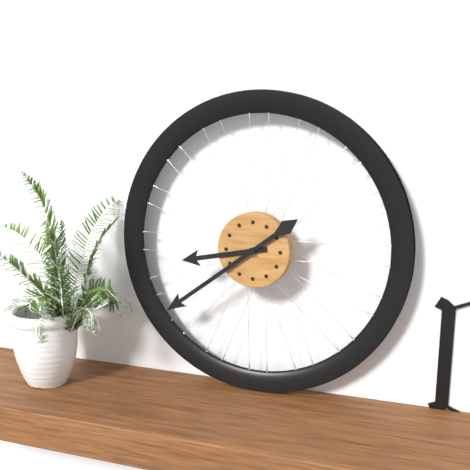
8:39
